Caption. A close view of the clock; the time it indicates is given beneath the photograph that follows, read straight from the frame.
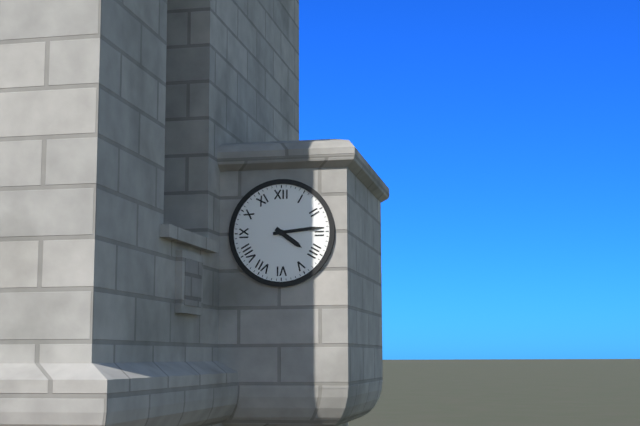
4:14
